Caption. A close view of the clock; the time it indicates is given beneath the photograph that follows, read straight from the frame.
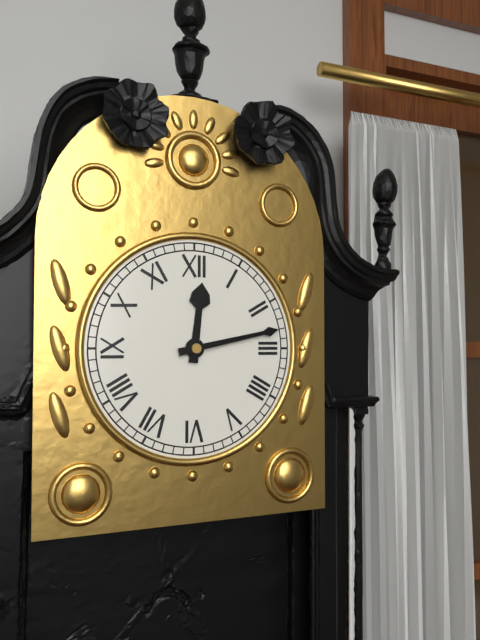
12:13
